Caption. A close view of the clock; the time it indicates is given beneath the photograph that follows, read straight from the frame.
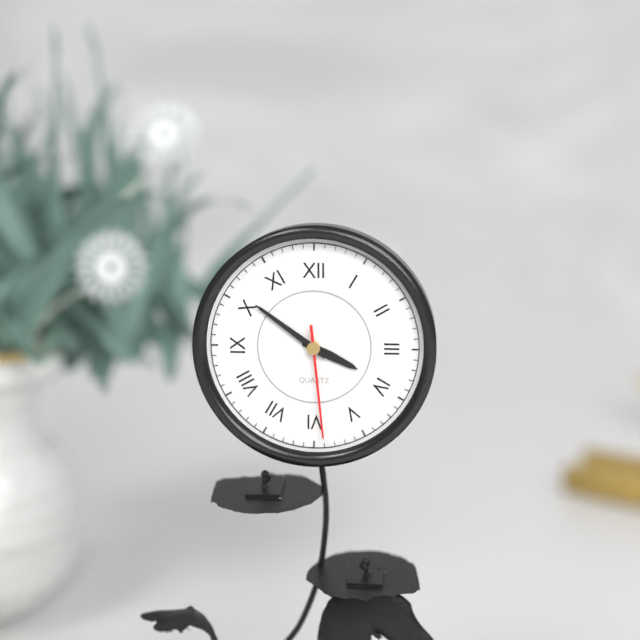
3:51:29
